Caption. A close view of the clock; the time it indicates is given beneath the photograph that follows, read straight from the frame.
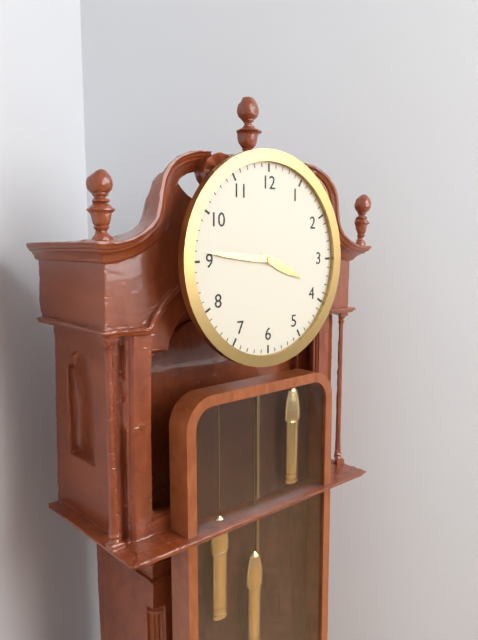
3:46
